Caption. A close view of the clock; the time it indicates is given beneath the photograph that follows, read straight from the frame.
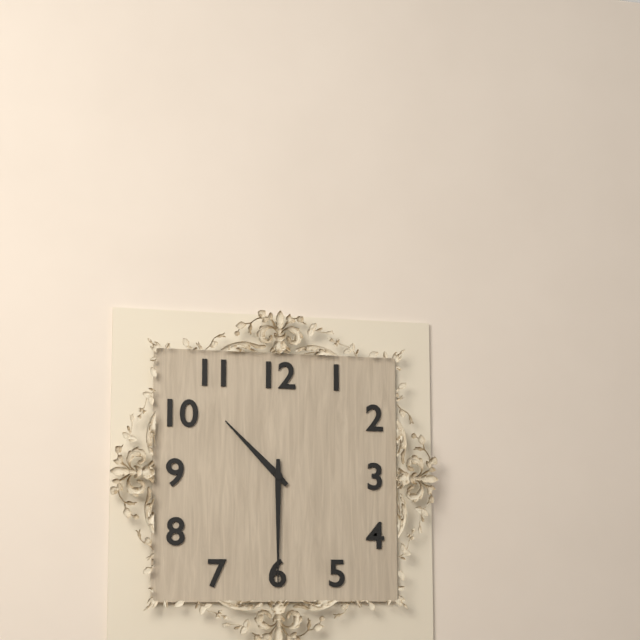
10:30
